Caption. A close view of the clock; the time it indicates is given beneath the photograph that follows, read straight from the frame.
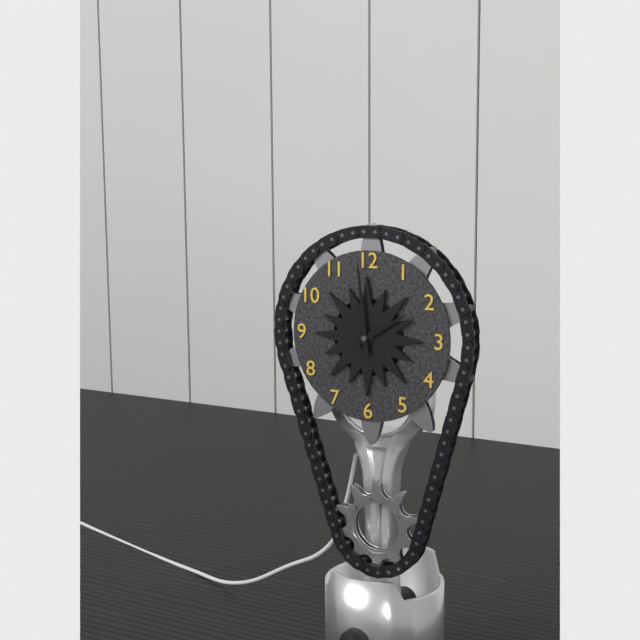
1:59
